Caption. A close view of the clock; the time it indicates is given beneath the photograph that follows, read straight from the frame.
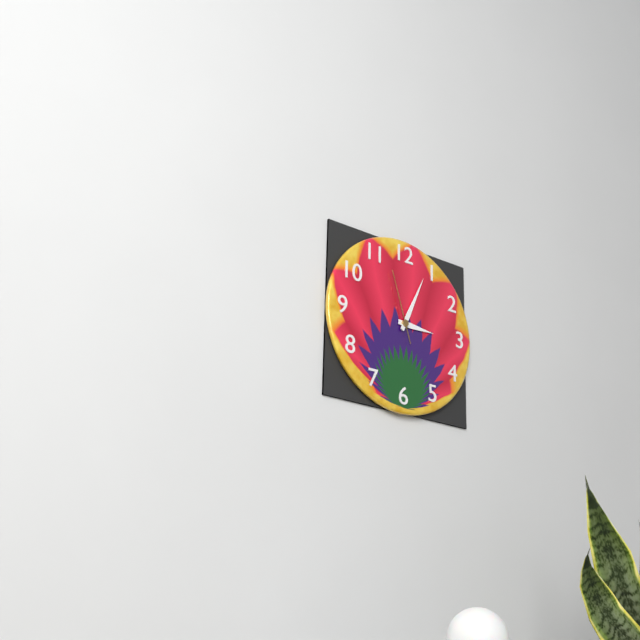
3:04:57
